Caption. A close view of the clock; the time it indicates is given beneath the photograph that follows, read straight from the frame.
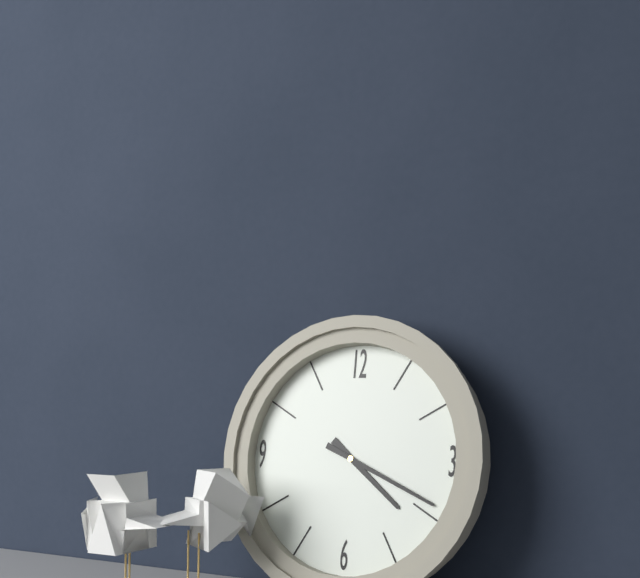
4:19
